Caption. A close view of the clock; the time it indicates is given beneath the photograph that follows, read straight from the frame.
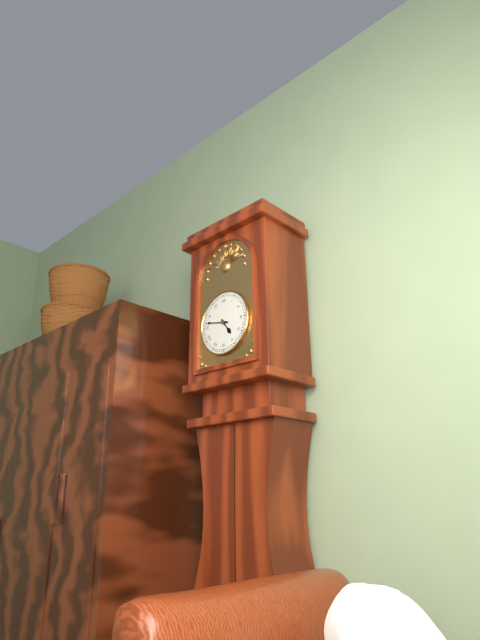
4:47
